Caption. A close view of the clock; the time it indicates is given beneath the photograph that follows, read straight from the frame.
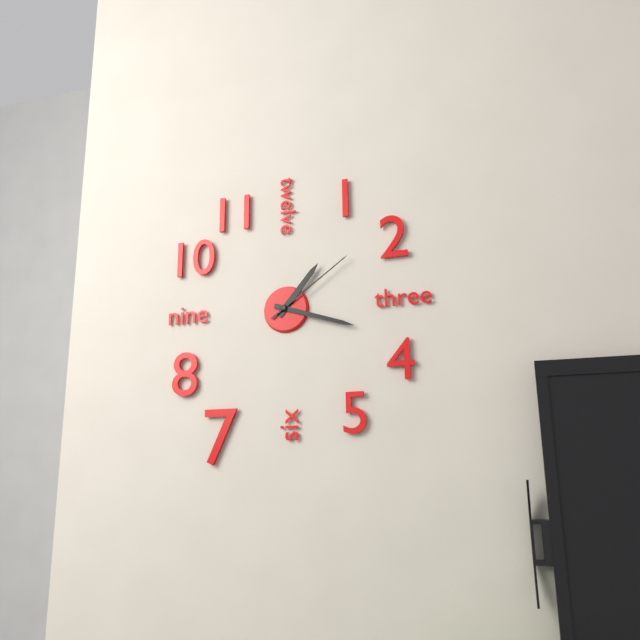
1:18:09
